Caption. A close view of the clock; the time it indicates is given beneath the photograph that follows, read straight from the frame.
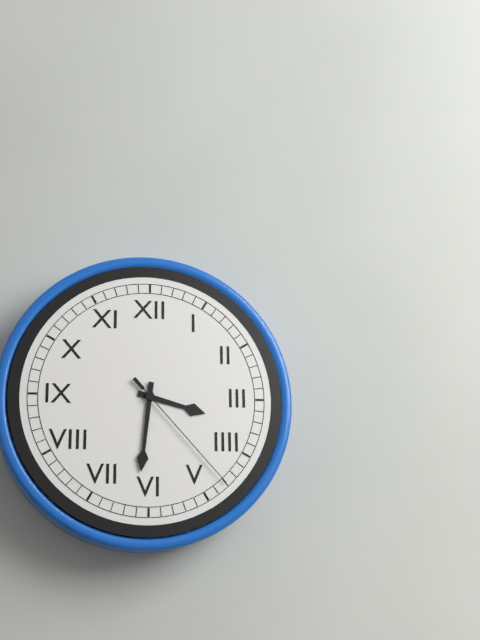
3:31:23
